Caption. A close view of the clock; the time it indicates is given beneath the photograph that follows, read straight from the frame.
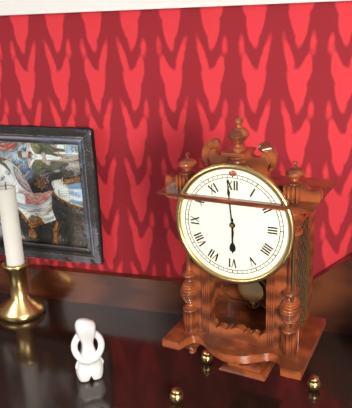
5:59
